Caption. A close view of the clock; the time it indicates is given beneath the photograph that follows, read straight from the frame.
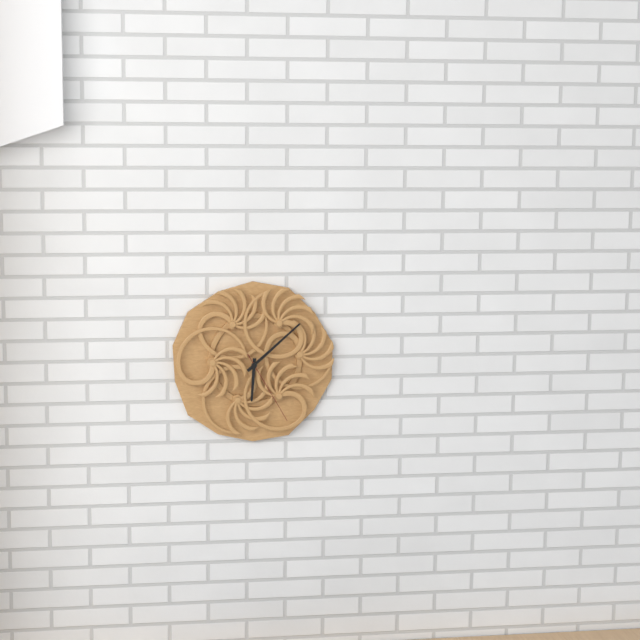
6:08:25
